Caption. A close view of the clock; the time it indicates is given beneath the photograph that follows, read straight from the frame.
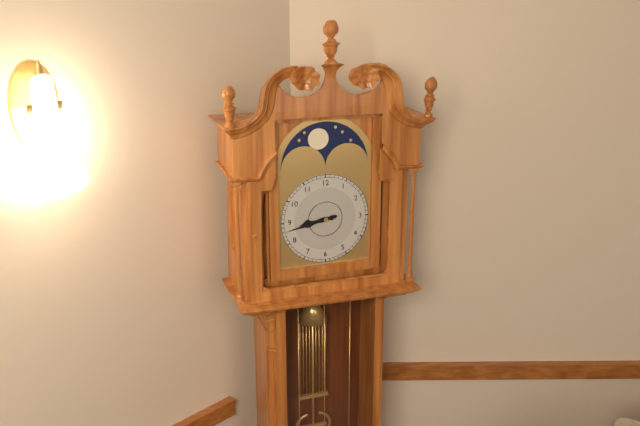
8:43
